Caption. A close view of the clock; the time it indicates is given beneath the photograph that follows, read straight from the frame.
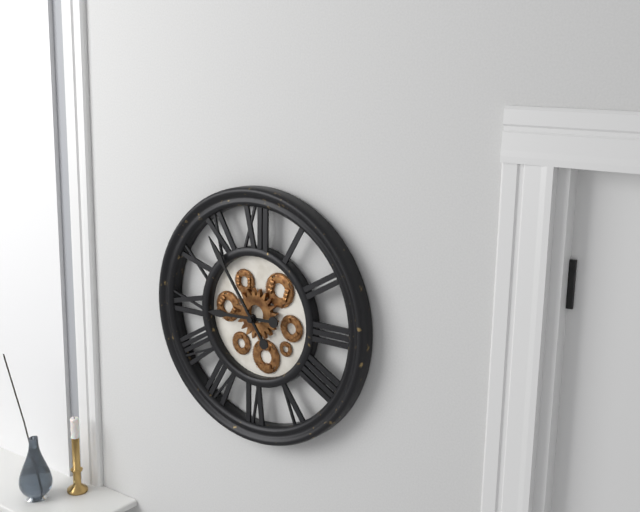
8:54
